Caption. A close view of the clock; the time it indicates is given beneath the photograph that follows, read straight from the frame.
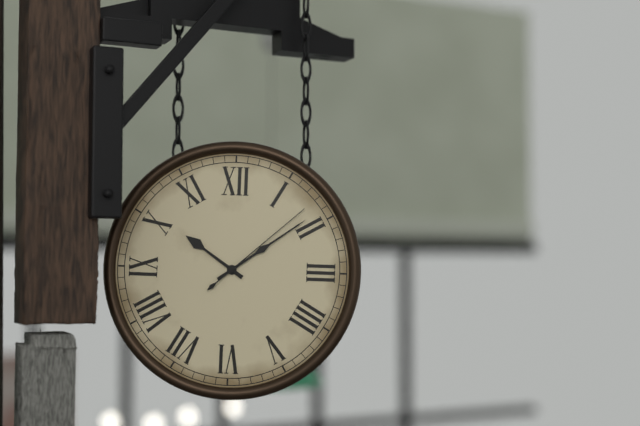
10:09:08
